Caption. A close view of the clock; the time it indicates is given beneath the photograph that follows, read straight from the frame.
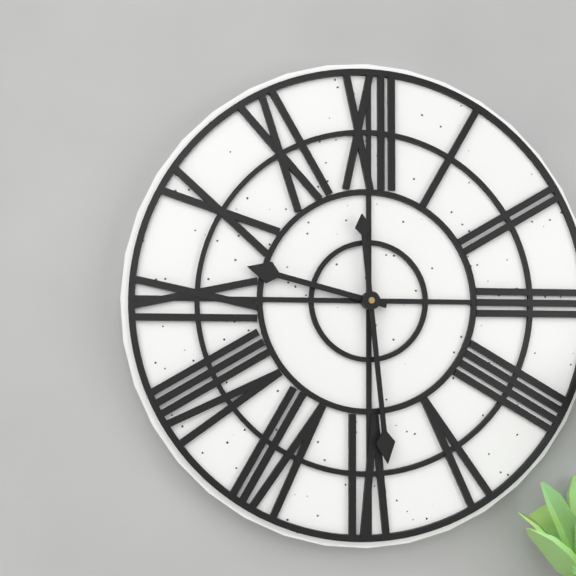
9:29
